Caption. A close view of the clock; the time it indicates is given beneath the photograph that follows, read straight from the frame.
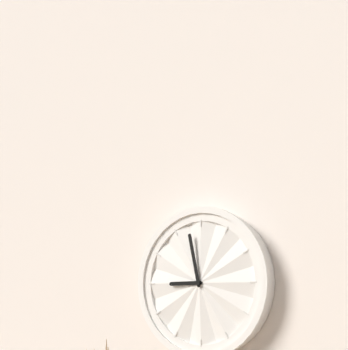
8:58
